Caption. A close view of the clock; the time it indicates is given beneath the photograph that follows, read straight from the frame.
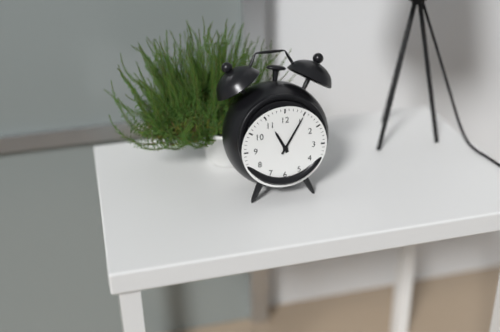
11:05
